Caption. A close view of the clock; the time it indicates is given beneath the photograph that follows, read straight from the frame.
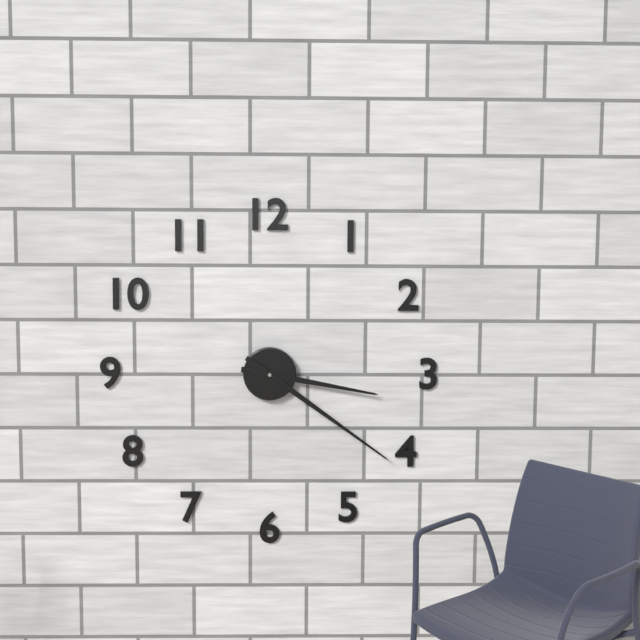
3:21
